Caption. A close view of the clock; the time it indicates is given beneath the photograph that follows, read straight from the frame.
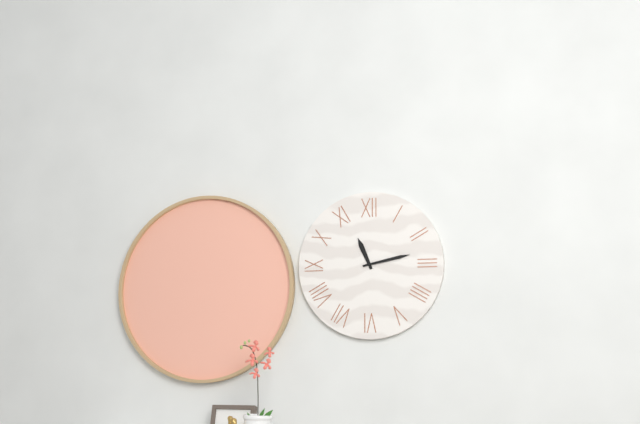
11:13
